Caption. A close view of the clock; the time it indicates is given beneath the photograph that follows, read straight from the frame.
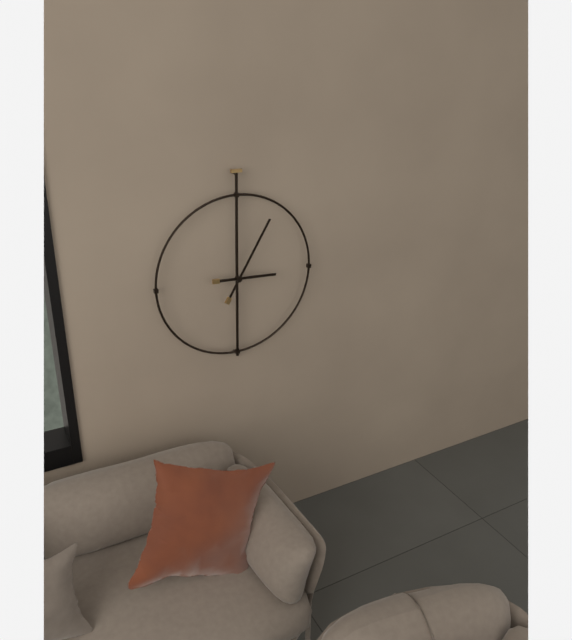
3:05
